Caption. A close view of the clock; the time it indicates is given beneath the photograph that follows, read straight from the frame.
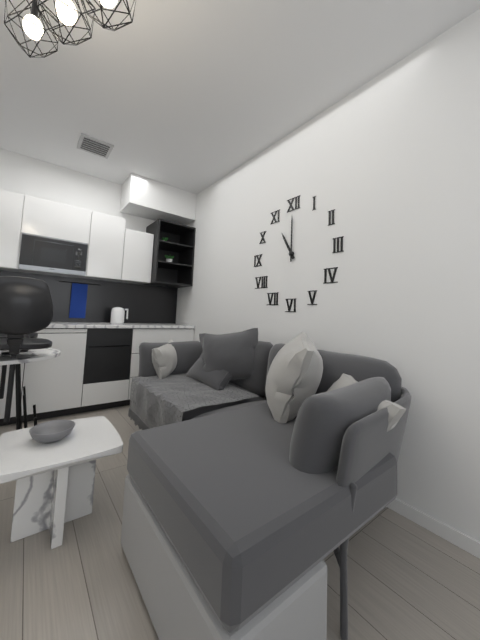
11:00
